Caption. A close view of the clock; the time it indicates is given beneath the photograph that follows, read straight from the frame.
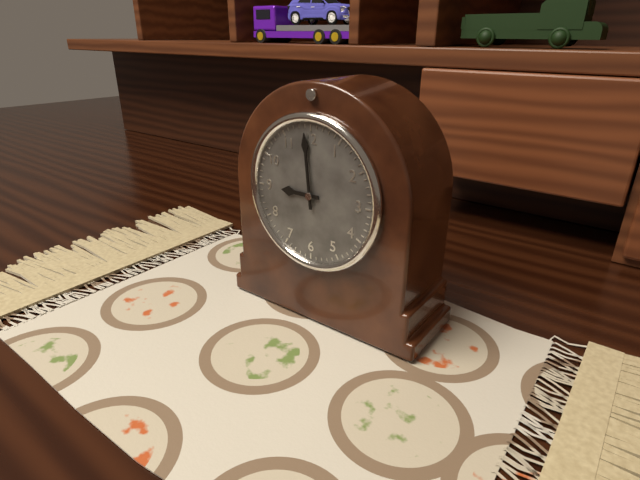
8:59
